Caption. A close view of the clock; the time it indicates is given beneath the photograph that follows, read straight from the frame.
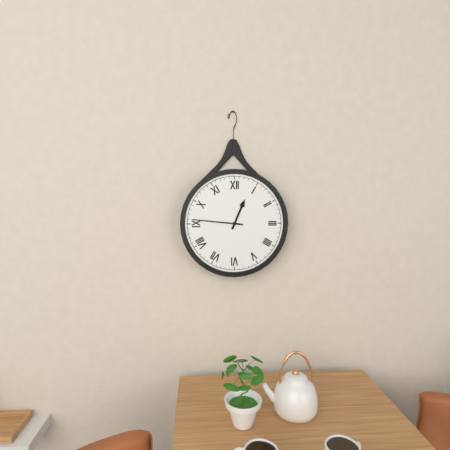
12:46
